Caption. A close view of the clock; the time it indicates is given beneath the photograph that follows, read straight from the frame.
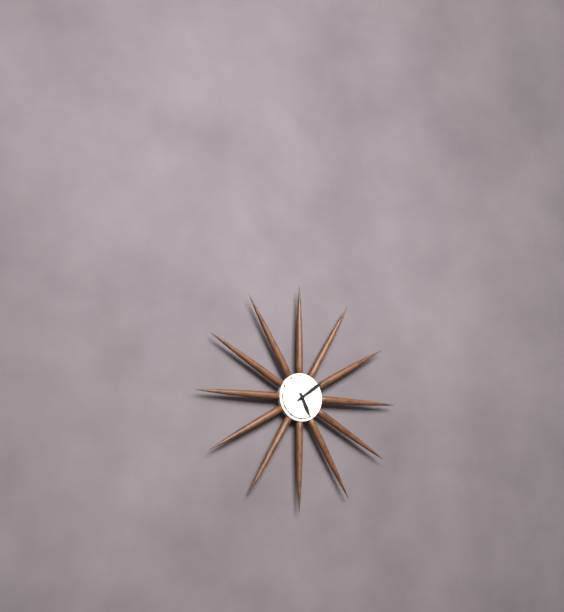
5:09
